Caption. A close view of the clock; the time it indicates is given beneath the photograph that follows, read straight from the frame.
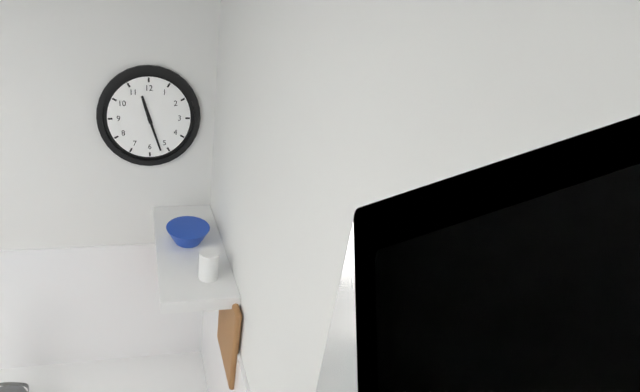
11:27
